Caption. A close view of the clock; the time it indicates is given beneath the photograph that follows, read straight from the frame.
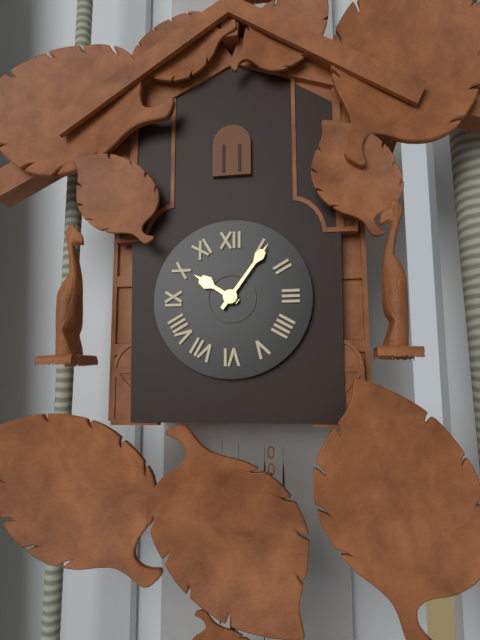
10:06
